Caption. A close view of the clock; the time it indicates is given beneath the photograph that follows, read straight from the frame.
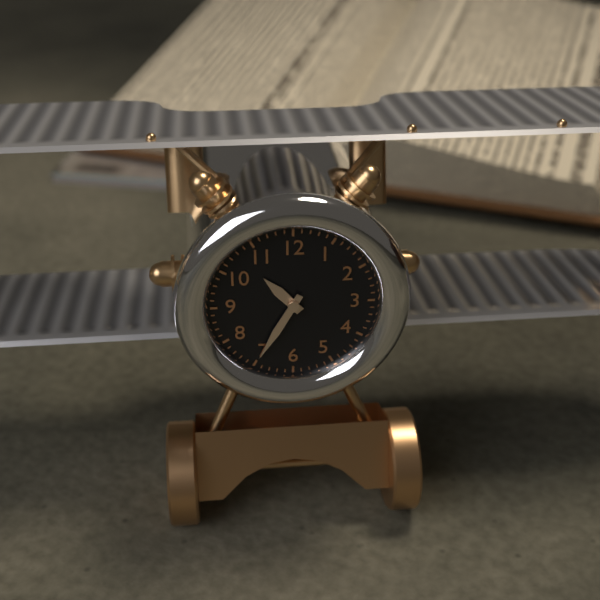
10:35
